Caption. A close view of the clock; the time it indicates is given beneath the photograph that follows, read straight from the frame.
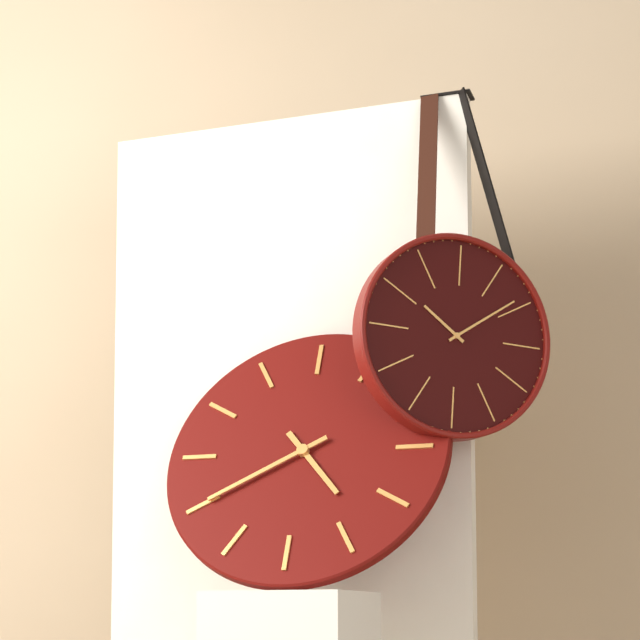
4:40
